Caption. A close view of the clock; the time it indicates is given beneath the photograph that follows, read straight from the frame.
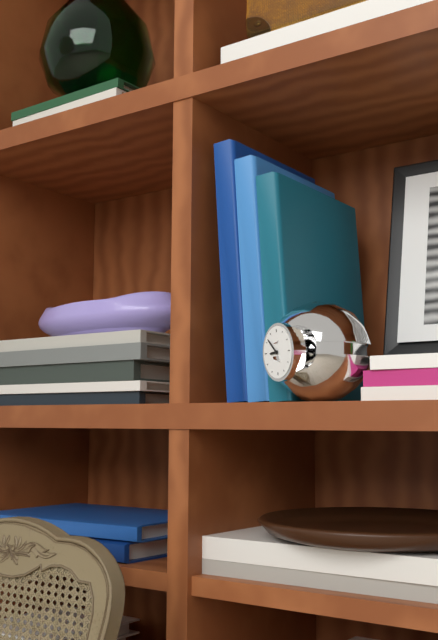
8:52
